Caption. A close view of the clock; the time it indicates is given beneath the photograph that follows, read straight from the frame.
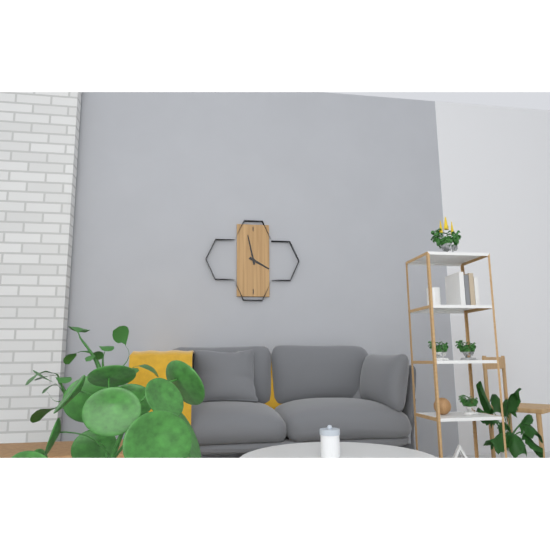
3:58
